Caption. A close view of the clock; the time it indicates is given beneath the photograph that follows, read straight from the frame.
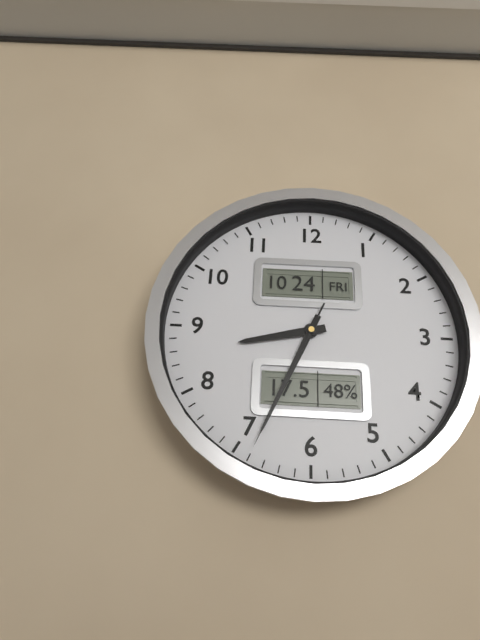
8:34:34
